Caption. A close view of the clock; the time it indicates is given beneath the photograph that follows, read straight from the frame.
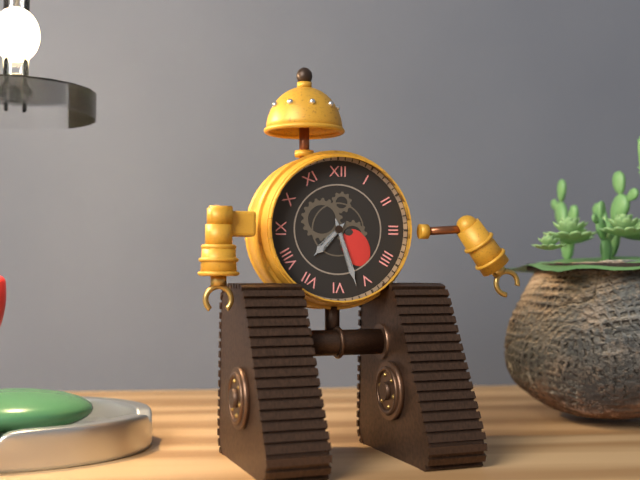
7:27
